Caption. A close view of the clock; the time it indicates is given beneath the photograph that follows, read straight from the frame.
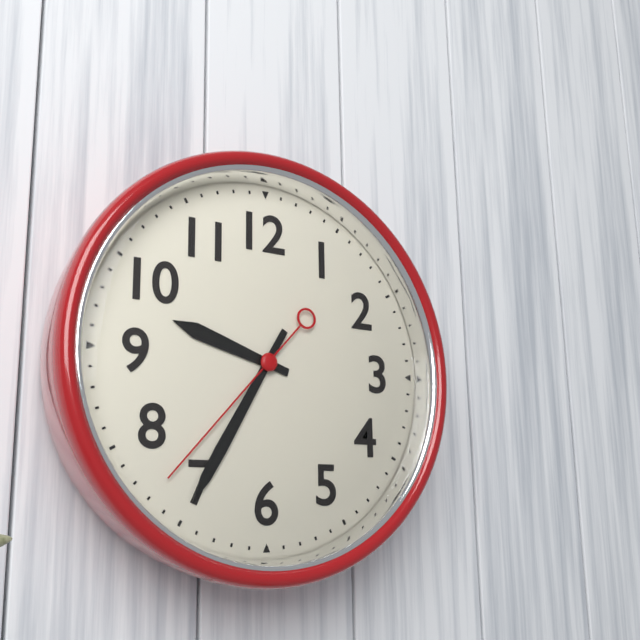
9:35:37
